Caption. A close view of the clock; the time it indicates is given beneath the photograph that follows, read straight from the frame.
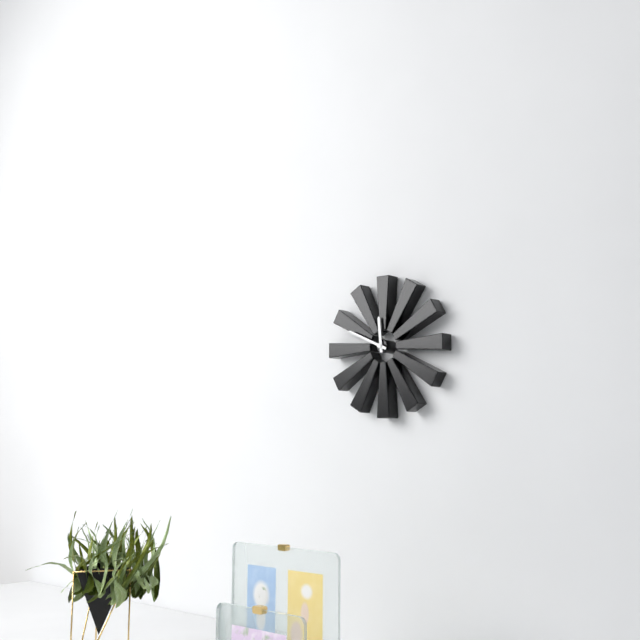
11:49
